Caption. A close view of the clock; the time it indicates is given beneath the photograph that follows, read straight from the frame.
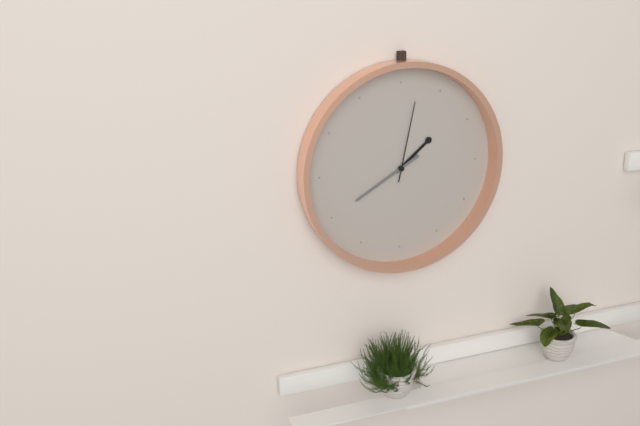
1:40:02
